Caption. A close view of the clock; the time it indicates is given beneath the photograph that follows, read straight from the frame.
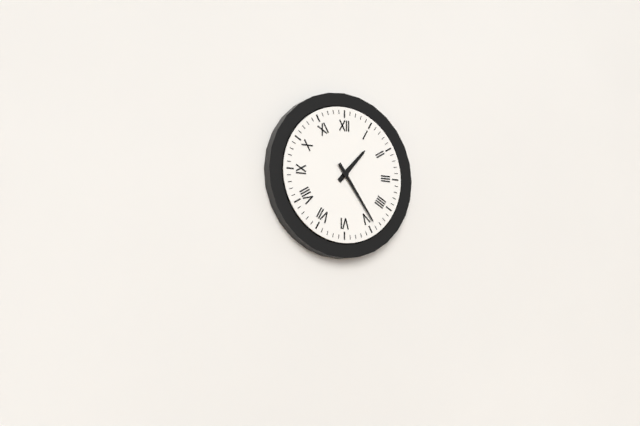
1:24
